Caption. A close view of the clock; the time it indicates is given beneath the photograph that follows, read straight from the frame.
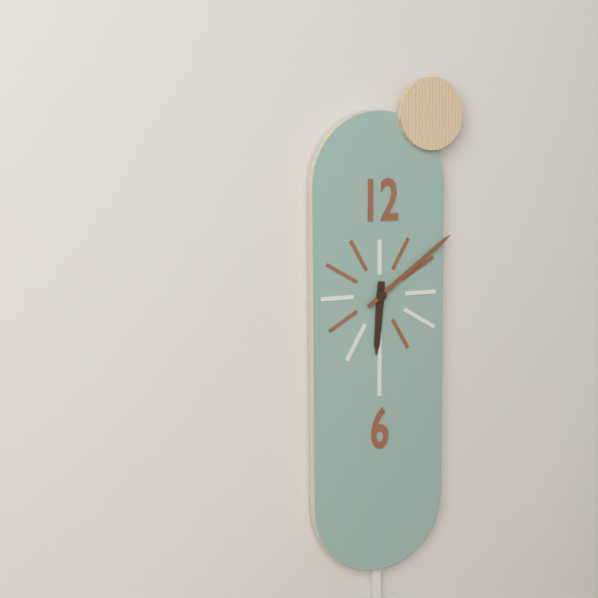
6:09
